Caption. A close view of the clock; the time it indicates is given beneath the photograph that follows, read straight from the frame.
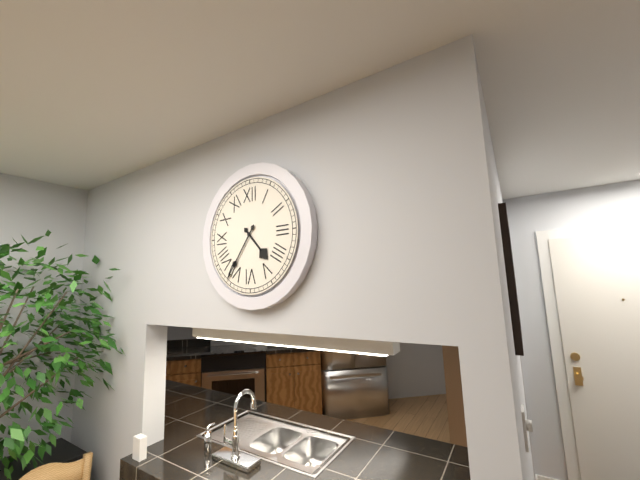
4:36
